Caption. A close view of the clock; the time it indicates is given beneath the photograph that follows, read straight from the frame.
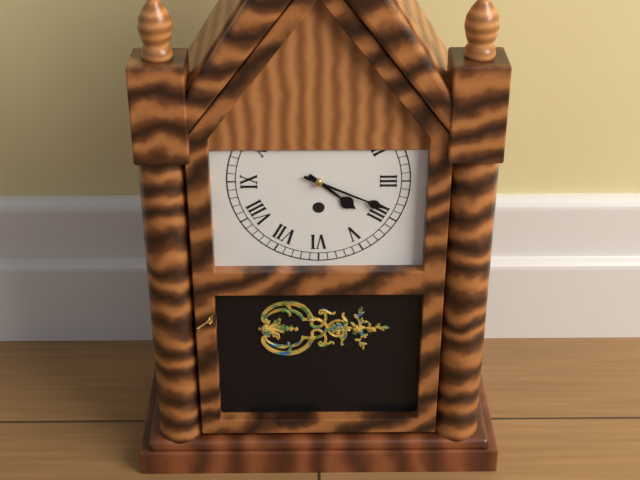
4:19
